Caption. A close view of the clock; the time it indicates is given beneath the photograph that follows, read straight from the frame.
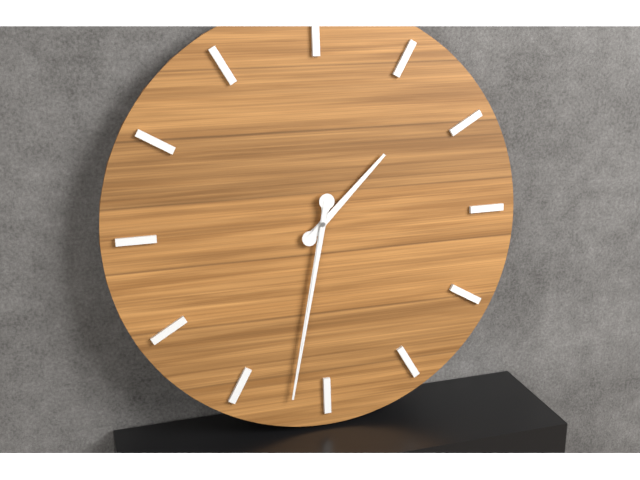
1:32
